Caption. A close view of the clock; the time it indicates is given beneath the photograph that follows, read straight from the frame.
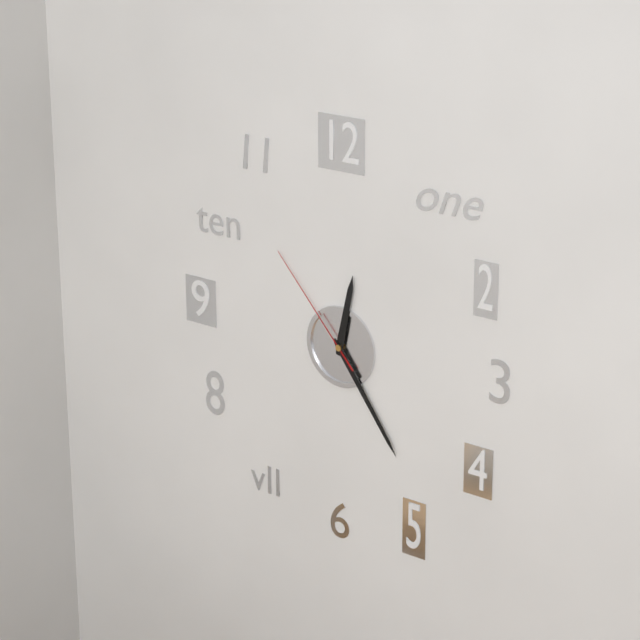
12:24:53
